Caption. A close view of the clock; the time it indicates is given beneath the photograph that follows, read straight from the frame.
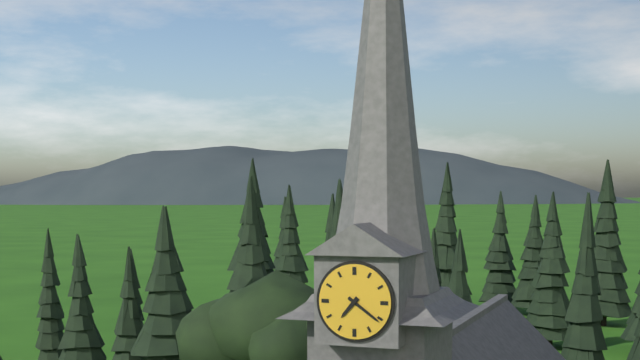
7:21
